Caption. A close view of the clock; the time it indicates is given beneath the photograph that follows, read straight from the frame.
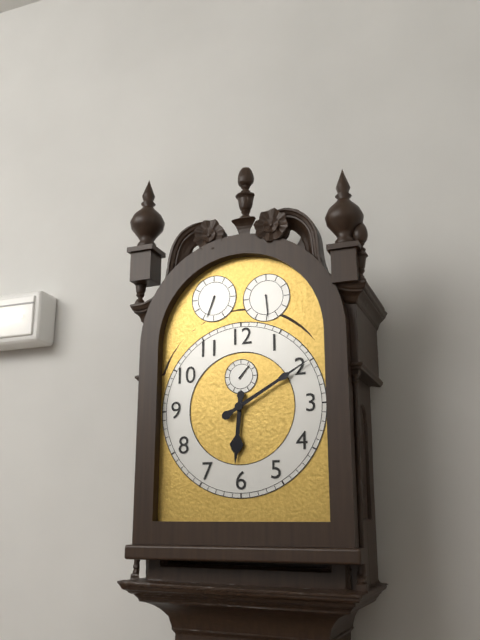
6:10
